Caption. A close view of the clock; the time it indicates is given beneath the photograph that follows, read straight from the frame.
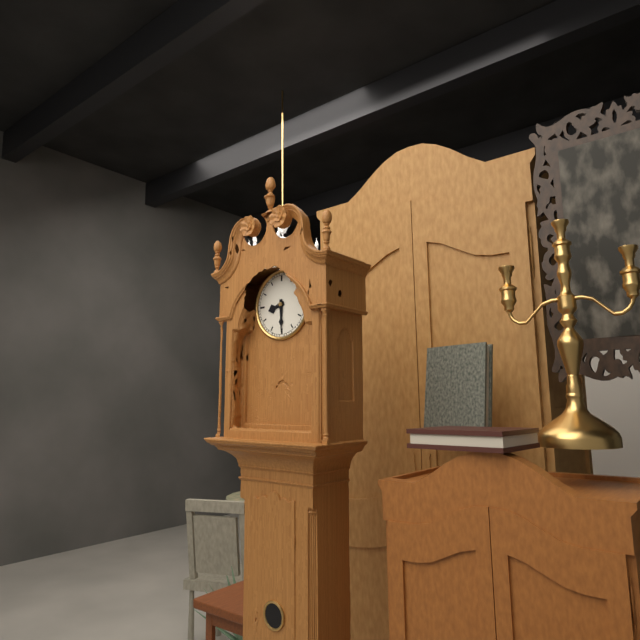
8:30
